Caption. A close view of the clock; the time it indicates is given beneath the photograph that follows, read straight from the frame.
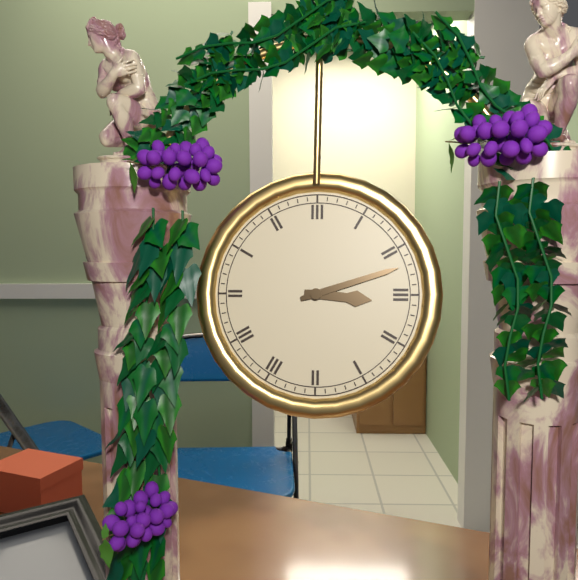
3:12
